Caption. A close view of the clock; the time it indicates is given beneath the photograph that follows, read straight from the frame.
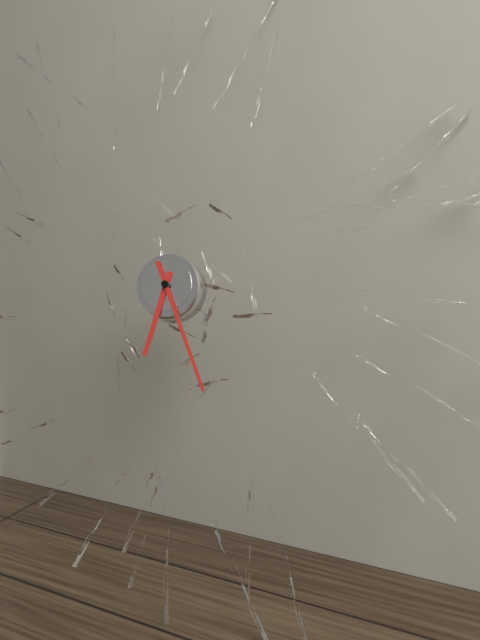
6:26
